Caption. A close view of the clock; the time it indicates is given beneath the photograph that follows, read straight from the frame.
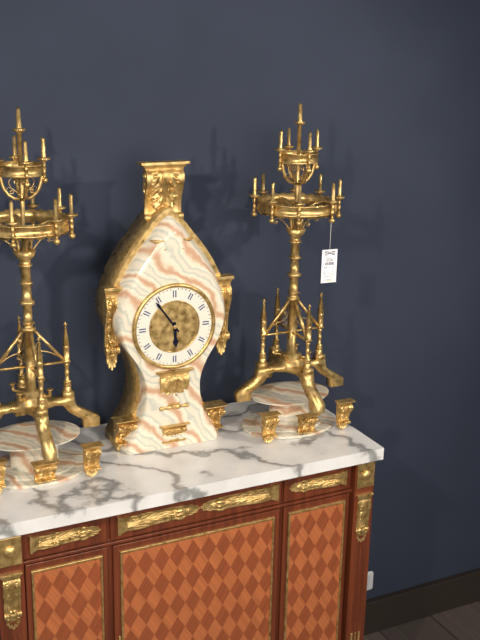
5:54
